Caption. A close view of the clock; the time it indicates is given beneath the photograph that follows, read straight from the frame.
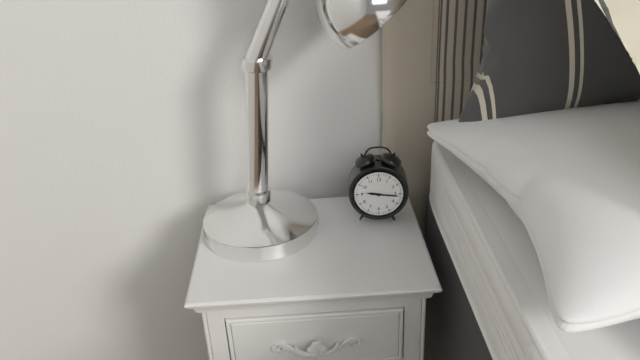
9:16
